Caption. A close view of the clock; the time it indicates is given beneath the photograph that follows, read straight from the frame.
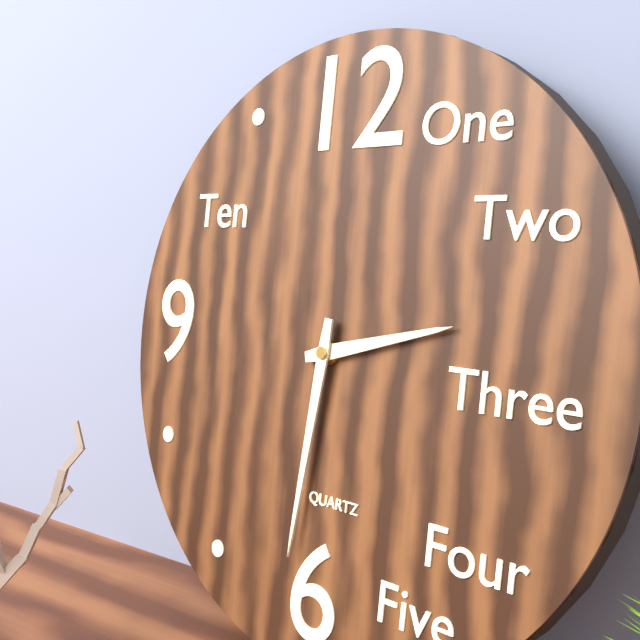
2:31
